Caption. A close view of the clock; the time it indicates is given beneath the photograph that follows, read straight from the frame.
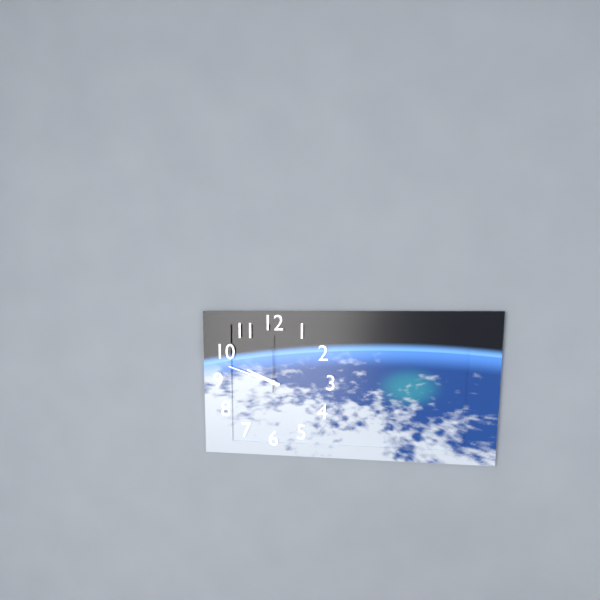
9:48:00
